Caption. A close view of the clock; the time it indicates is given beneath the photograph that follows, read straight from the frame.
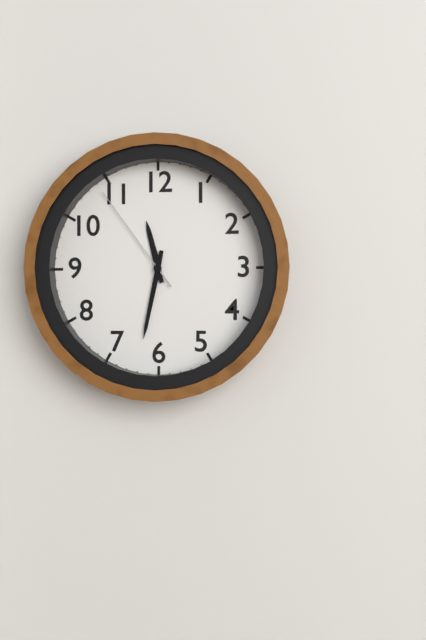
11:32:54
